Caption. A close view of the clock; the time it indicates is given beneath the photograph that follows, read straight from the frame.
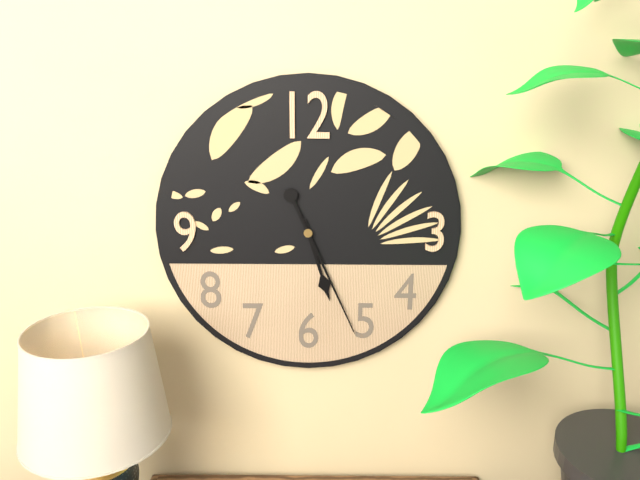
5:26
